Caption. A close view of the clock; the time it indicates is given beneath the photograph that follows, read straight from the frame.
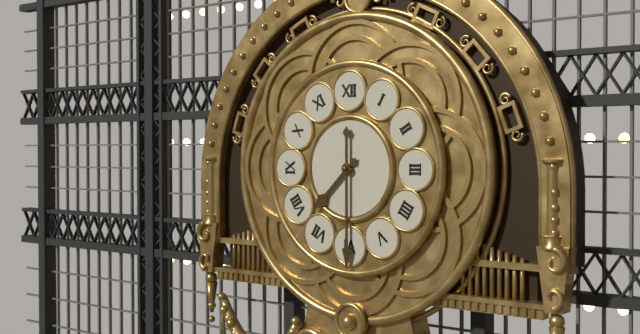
7:30
